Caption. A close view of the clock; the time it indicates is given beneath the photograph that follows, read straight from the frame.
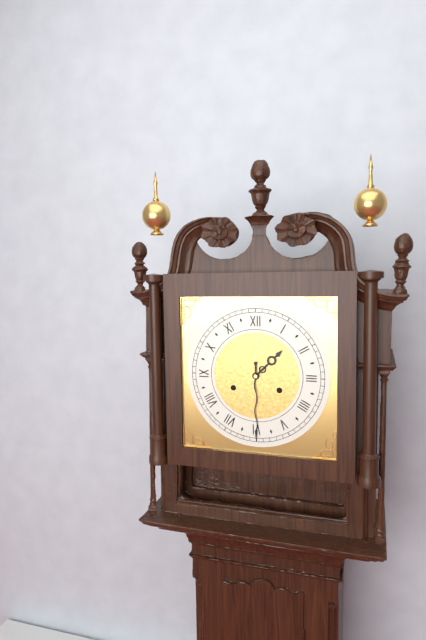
1:30
